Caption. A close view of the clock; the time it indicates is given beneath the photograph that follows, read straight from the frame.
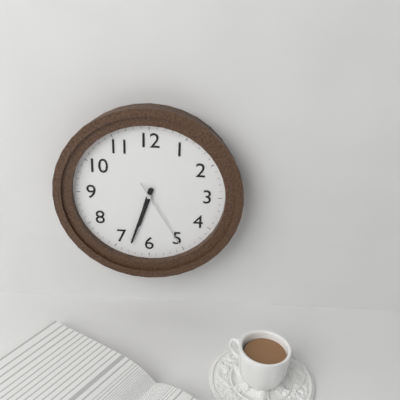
6:33:25
